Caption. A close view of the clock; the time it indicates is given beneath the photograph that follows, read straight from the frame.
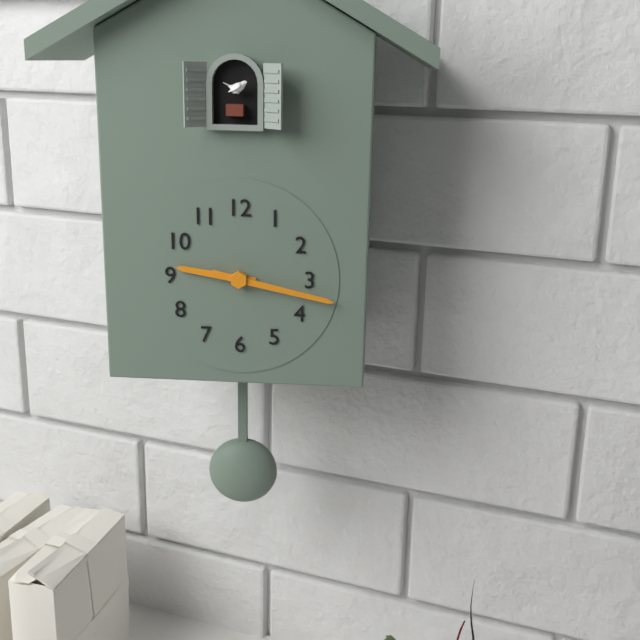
9:17
